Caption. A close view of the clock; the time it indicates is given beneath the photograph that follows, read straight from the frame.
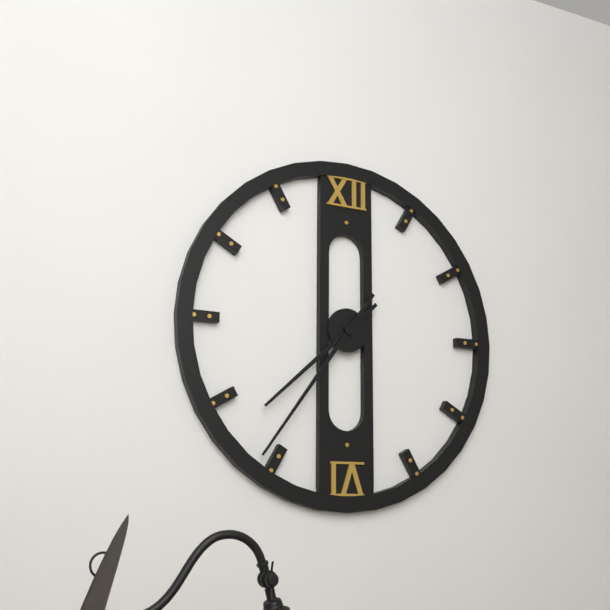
7:36
